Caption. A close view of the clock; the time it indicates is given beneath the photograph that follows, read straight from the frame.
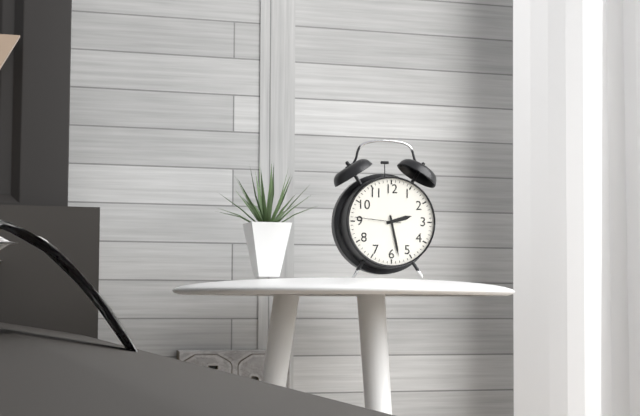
2:28
